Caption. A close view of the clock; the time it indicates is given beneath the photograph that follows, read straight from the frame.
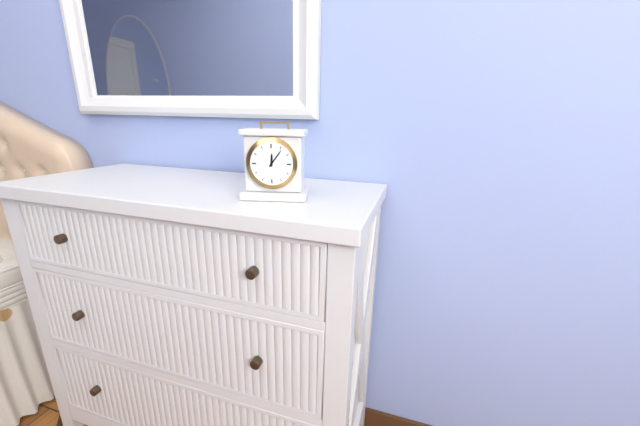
12:06
